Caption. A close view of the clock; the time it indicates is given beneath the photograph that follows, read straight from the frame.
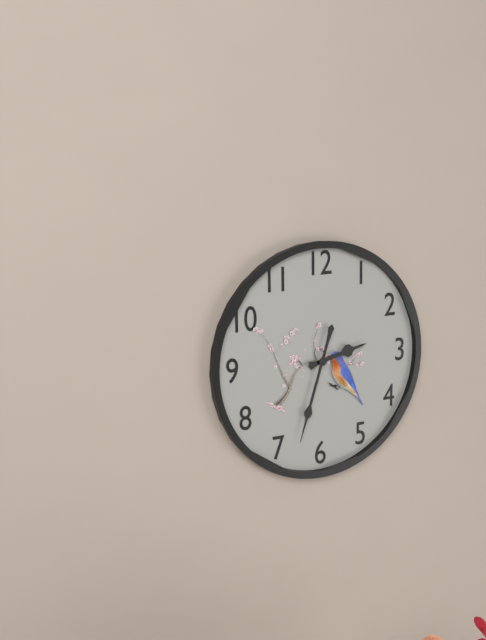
2:33
